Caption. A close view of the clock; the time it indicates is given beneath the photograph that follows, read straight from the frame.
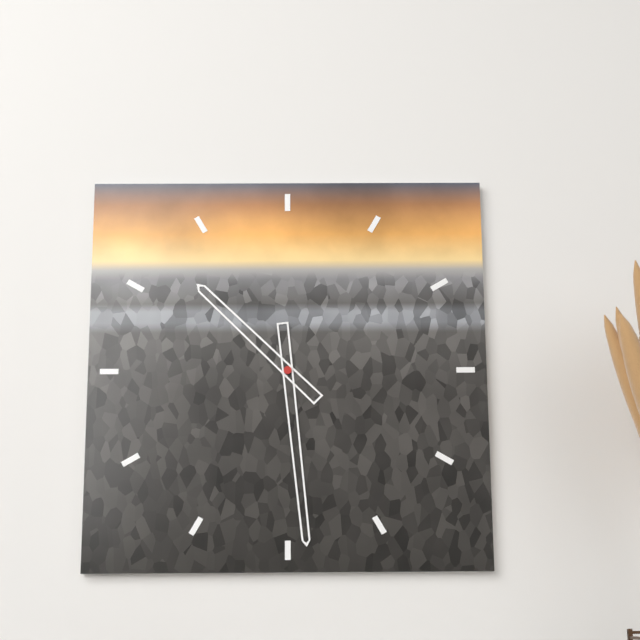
10:29
